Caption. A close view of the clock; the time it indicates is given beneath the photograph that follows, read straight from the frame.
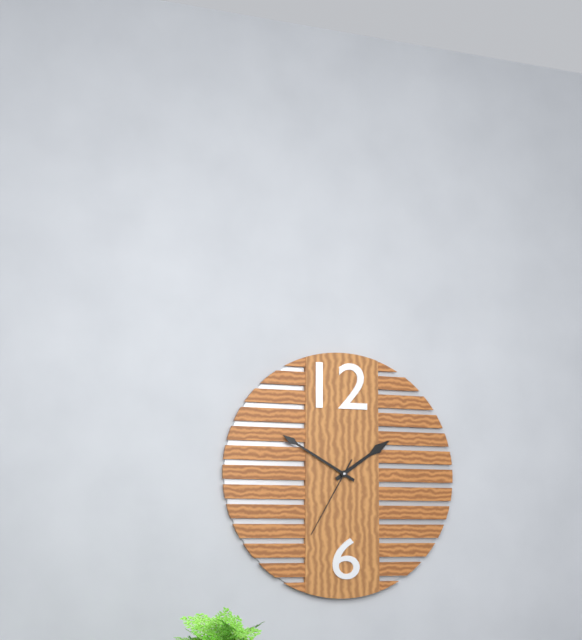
1:50:35
